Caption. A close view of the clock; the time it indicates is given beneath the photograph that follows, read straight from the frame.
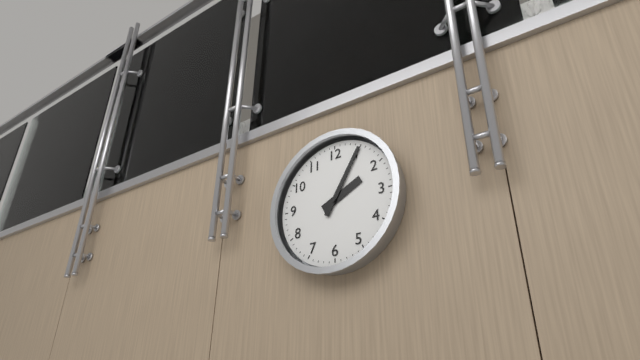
2:05
